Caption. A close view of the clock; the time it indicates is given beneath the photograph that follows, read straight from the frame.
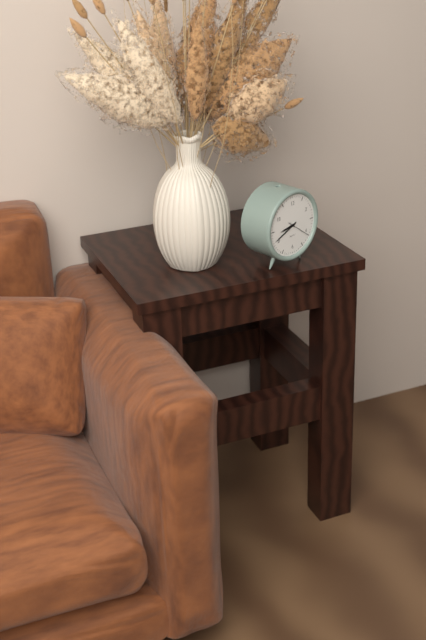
8:41
